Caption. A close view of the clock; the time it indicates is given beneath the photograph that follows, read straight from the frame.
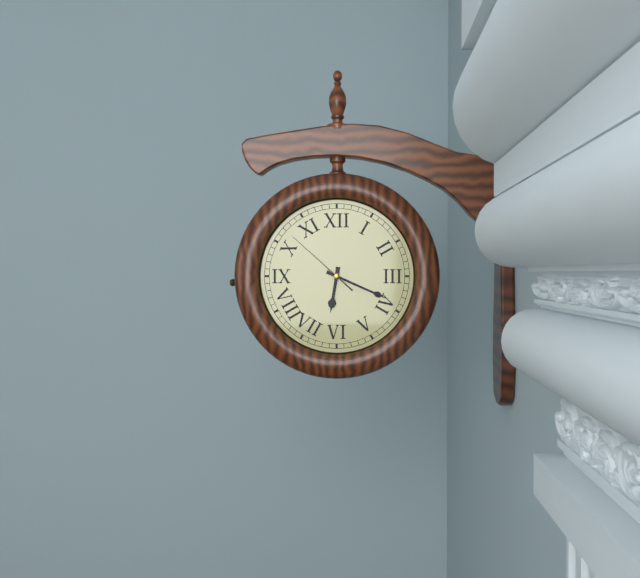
6:19:52
